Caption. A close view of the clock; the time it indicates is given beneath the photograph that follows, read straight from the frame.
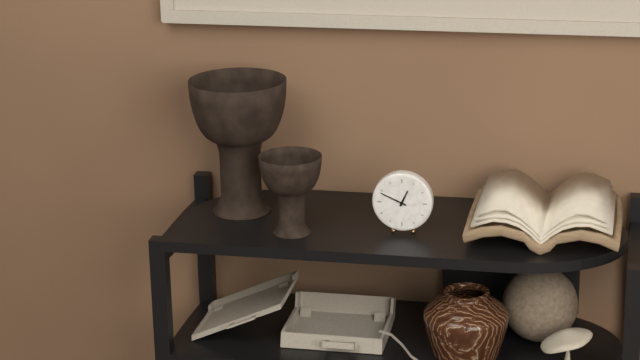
12:49
